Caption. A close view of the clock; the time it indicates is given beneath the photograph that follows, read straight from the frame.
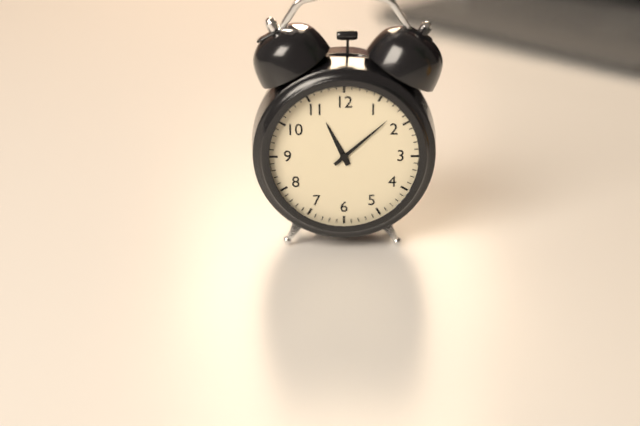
11:08
